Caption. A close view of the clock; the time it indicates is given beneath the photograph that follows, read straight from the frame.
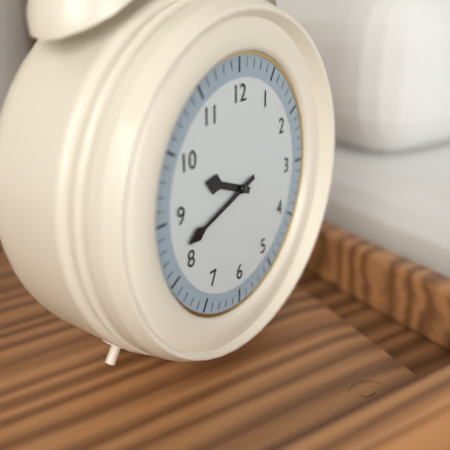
9:42
